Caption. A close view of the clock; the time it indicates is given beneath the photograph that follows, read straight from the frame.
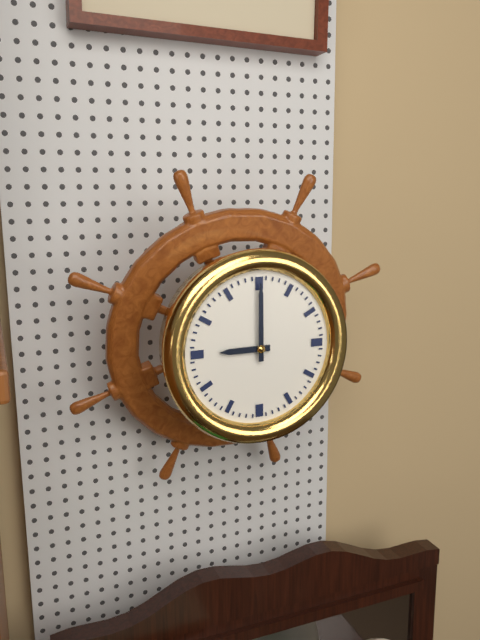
9:00
